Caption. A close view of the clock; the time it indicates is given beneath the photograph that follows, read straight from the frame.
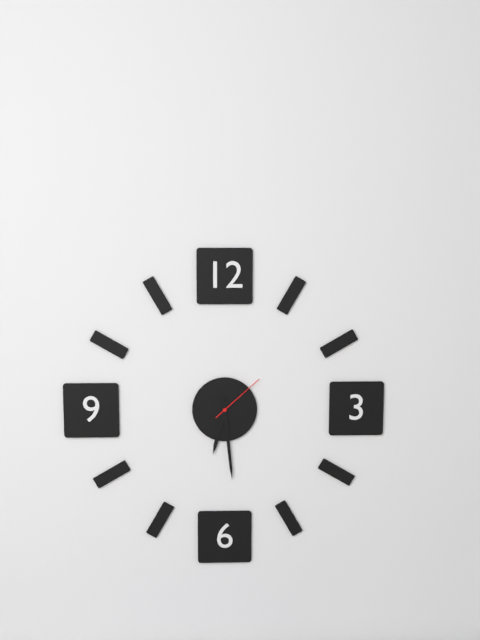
6:29:08
